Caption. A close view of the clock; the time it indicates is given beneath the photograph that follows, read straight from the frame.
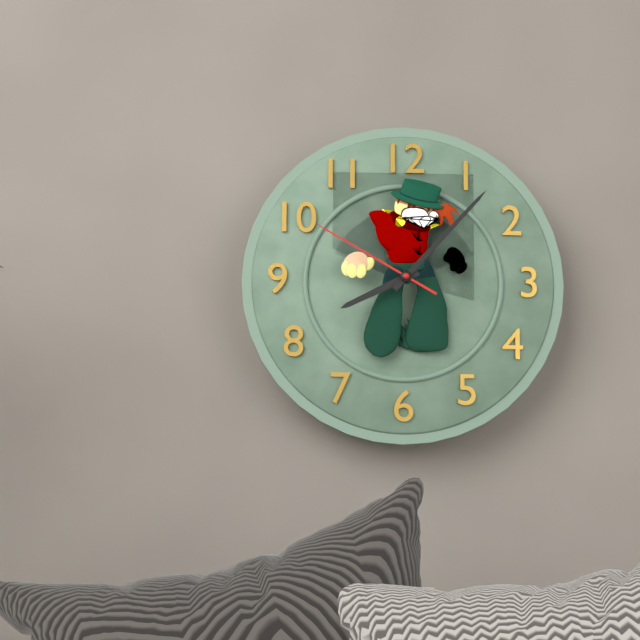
8:07:50
